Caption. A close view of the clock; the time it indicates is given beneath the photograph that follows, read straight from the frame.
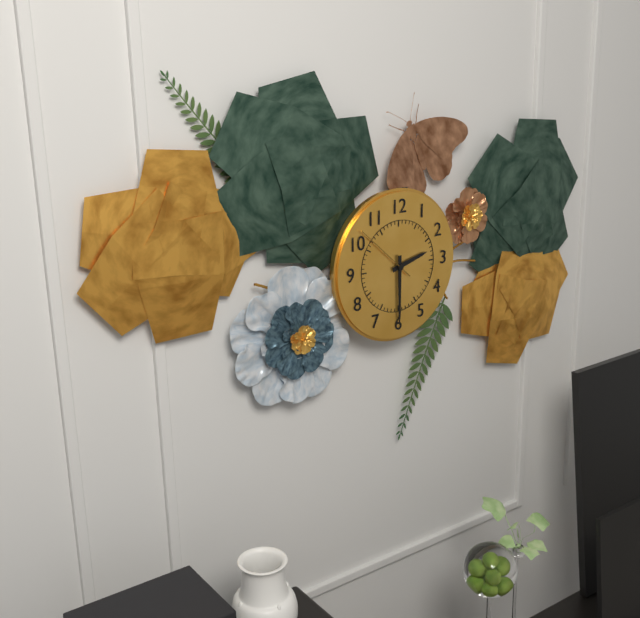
2:30:52
